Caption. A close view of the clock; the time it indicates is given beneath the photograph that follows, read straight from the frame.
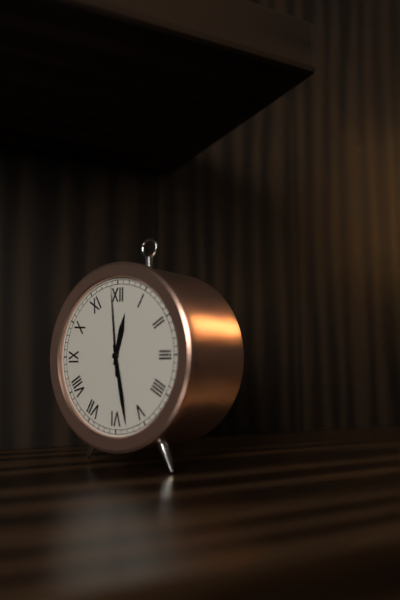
12:28:59
